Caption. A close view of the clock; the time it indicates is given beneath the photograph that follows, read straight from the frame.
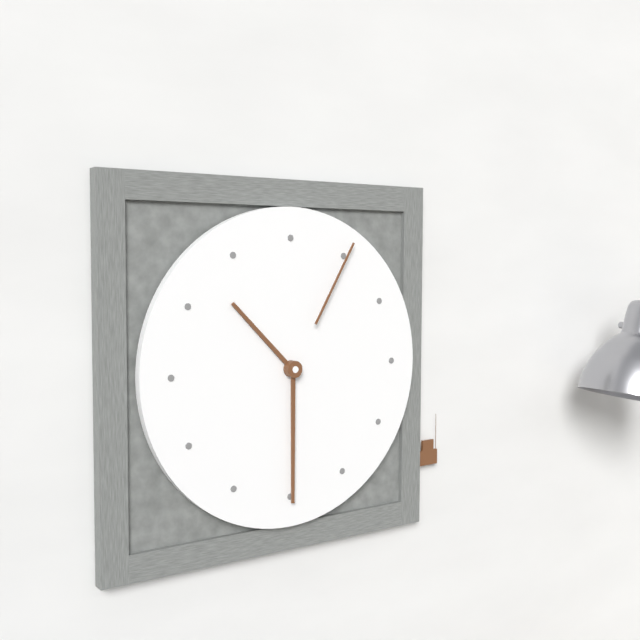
10:30:05
